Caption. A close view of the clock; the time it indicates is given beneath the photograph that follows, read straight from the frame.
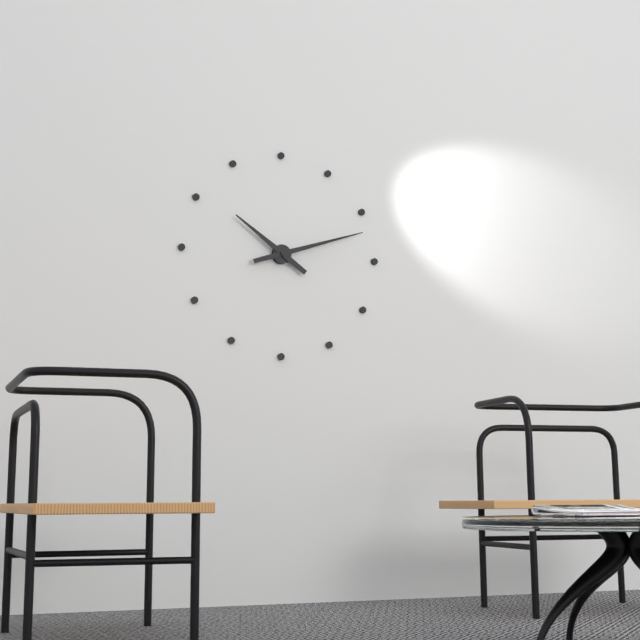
10:12
